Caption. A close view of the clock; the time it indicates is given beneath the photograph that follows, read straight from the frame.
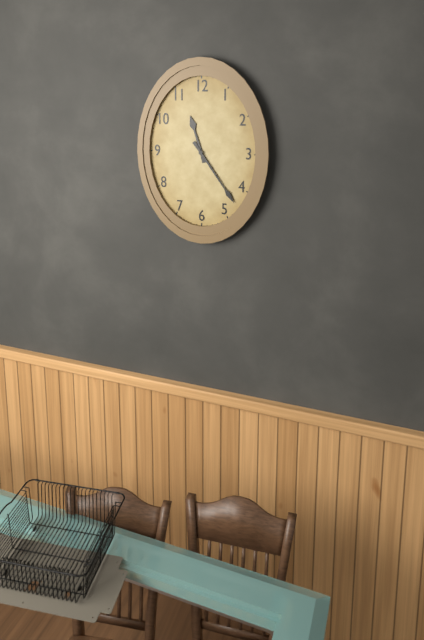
11:24
